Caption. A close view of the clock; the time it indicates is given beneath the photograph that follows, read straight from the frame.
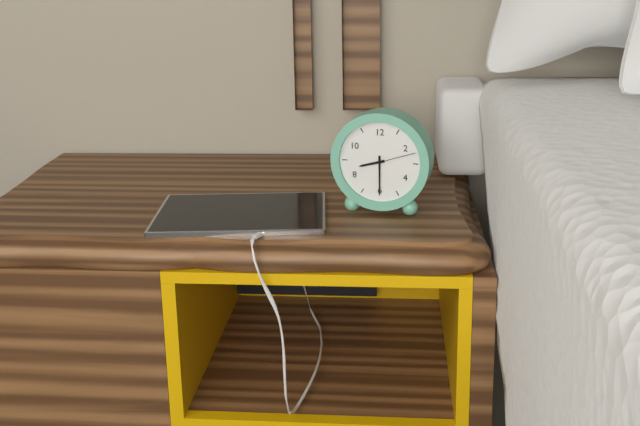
8:30
